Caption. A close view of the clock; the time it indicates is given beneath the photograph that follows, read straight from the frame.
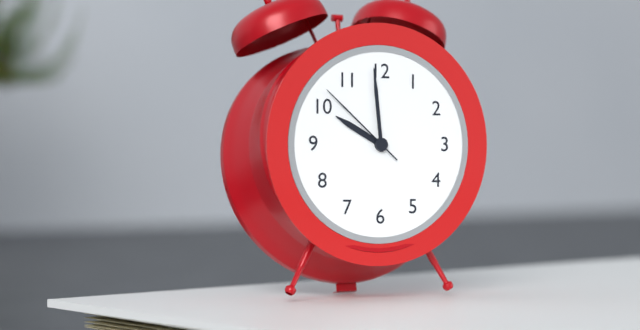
9:59:52
